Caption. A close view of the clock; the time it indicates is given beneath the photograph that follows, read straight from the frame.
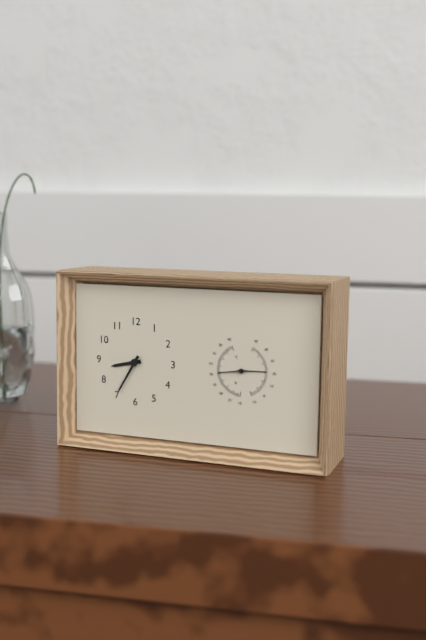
8:35
